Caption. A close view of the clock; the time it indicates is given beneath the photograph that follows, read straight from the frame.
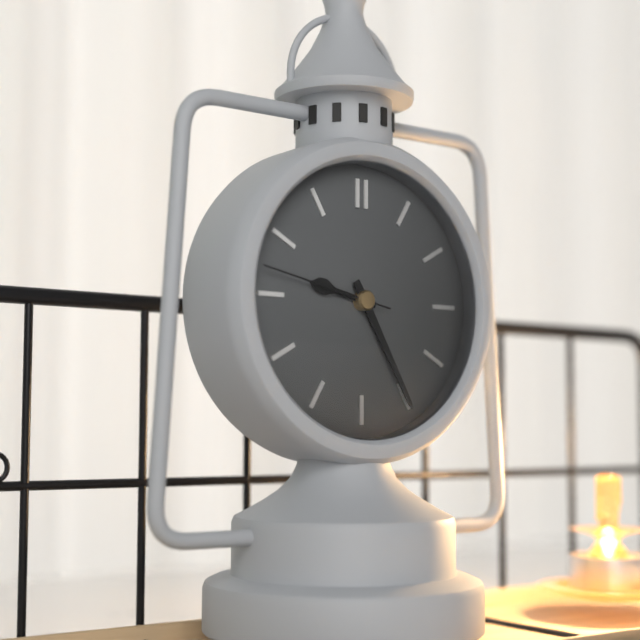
9:25:47
